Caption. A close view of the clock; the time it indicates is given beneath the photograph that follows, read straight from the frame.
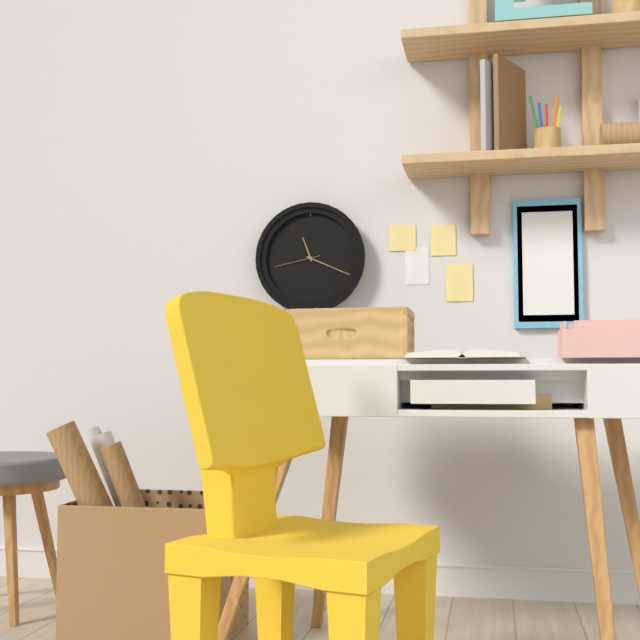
11:19
